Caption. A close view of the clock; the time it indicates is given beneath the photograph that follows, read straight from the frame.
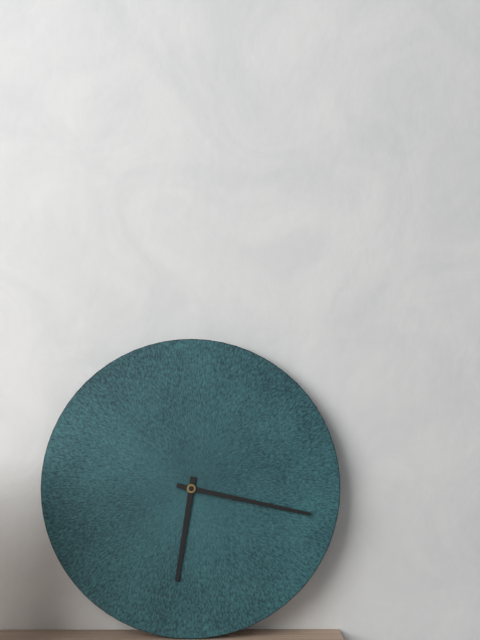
6:17
